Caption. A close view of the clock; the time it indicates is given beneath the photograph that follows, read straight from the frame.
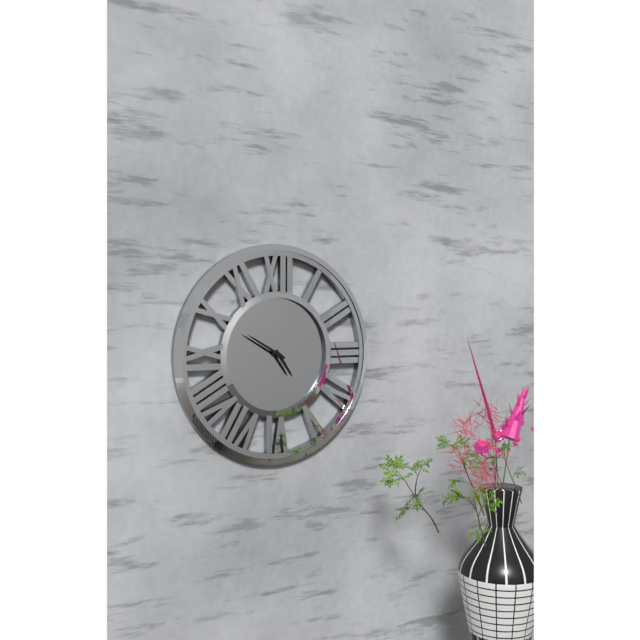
4:50
